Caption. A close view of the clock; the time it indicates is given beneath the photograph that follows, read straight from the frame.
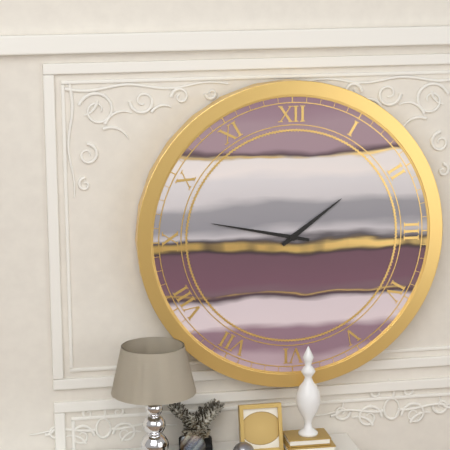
1:47
